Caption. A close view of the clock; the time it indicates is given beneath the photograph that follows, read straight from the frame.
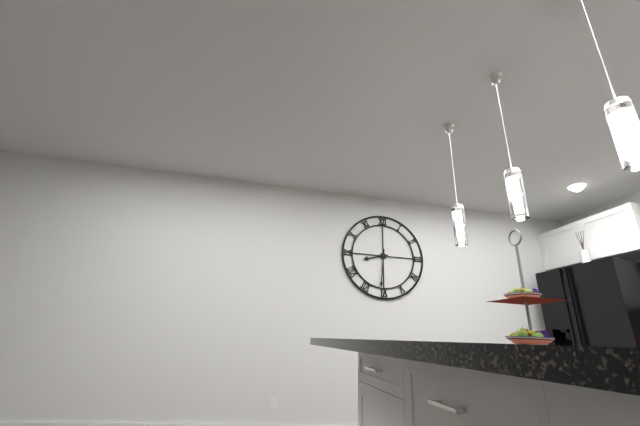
8:31
